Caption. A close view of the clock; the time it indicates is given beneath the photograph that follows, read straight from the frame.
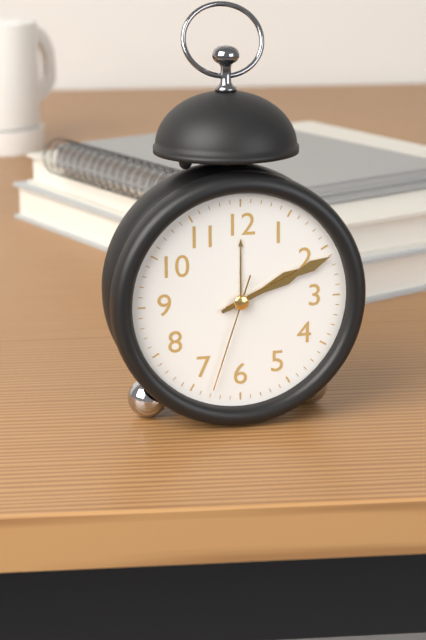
2:11:33
